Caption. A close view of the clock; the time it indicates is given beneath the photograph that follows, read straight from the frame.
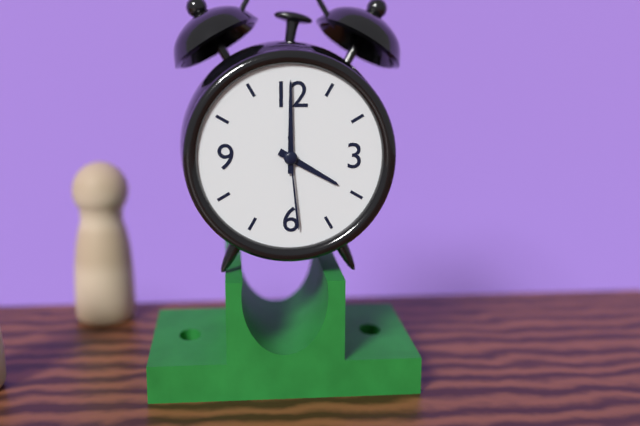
4:00:29
